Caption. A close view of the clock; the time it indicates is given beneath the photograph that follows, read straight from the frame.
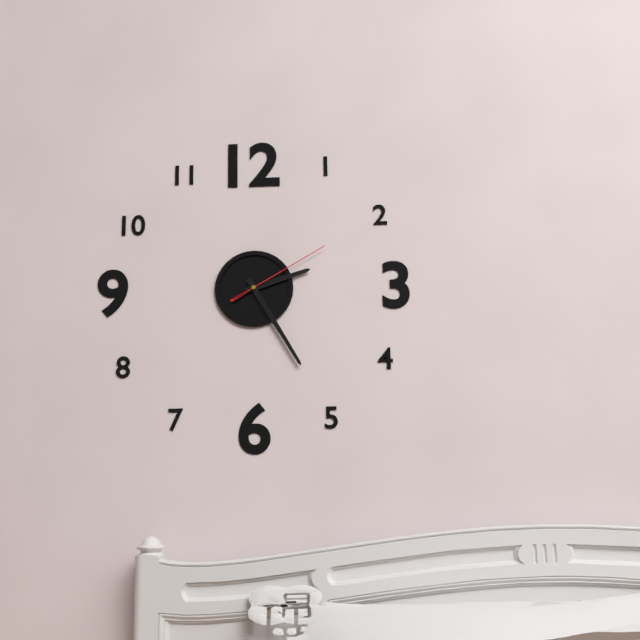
2:25:10
